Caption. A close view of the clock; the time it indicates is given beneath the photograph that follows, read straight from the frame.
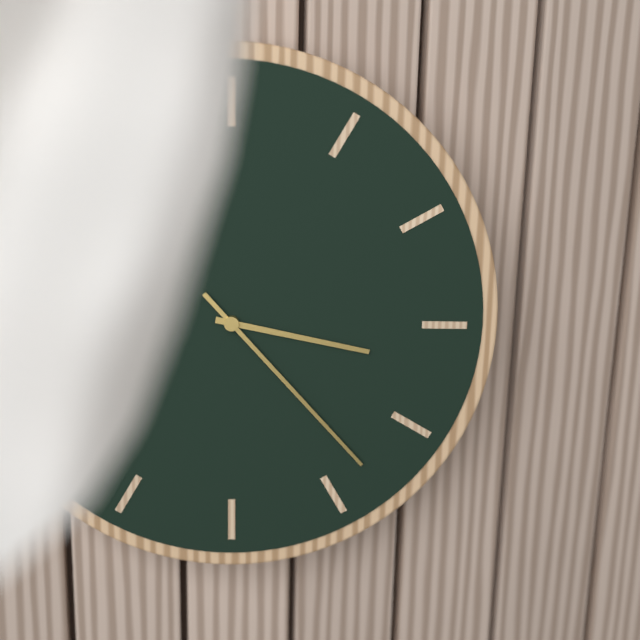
3:23
